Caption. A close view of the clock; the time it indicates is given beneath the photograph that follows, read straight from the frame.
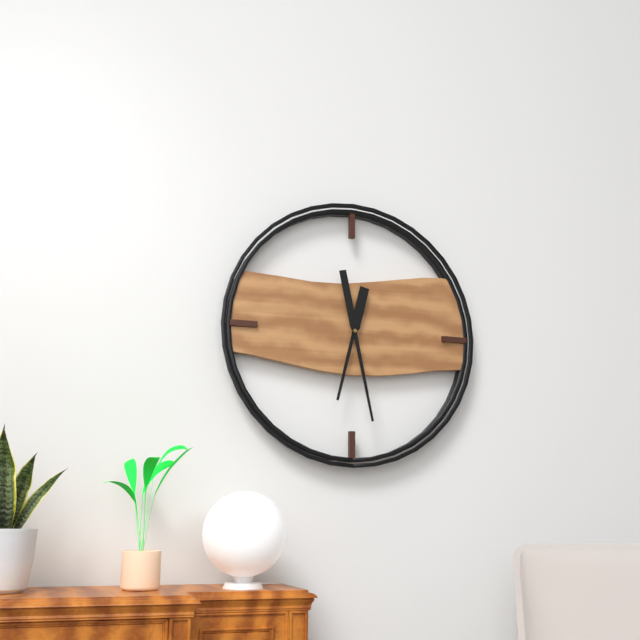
6:28
